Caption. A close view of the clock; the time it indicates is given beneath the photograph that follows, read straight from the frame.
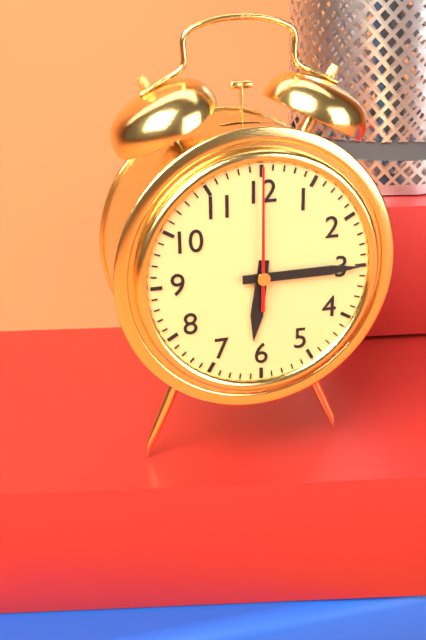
6:15:00
